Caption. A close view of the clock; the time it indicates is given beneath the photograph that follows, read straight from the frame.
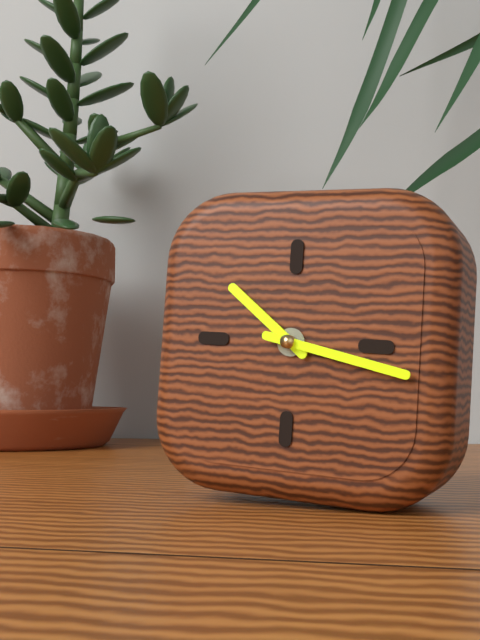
10:17
